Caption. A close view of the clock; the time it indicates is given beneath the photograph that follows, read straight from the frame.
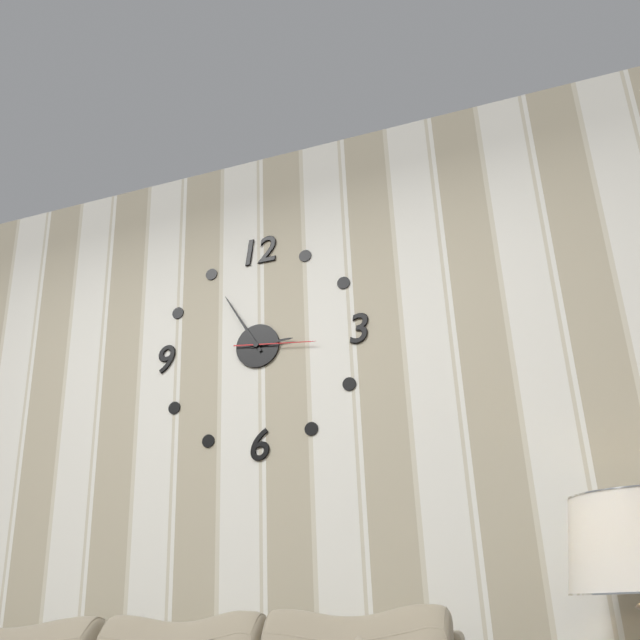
2:55:16
